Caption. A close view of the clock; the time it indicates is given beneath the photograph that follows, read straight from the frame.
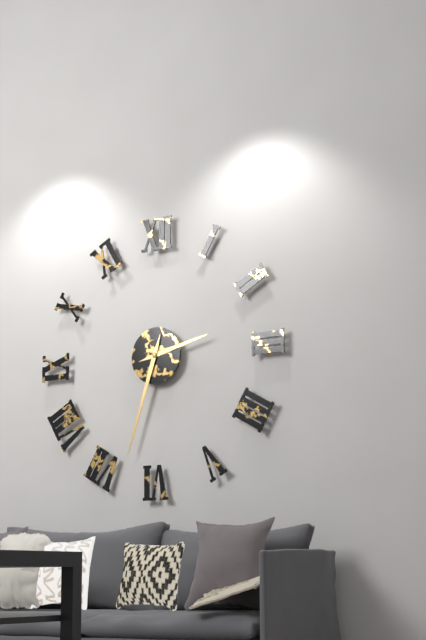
2:33
